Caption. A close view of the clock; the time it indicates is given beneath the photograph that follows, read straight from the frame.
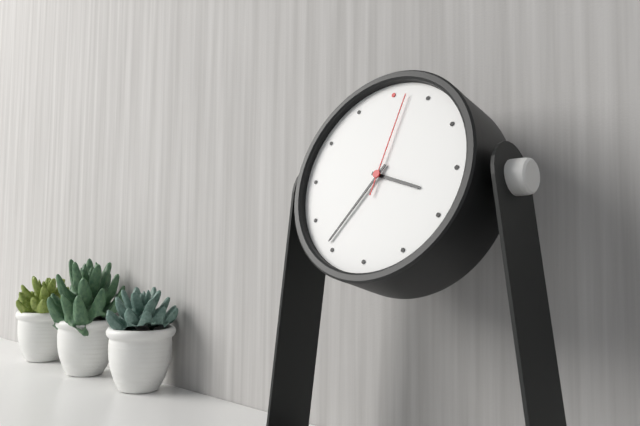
3:36:02
